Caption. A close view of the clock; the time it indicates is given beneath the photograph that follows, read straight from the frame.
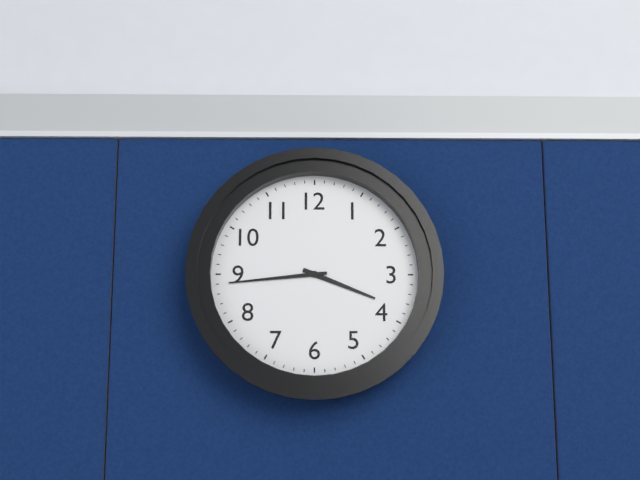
3:44
